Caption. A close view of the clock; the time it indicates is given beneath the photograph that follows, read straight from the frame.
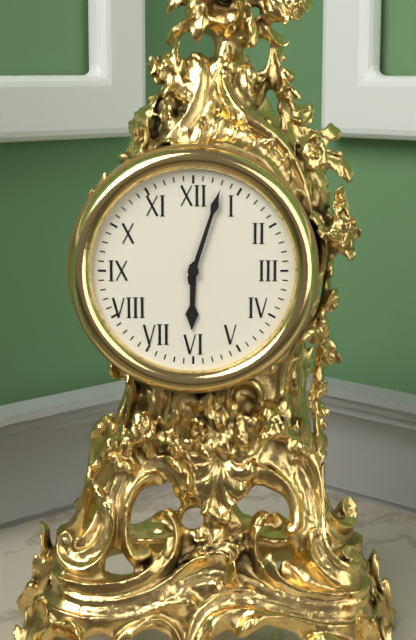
6:03
